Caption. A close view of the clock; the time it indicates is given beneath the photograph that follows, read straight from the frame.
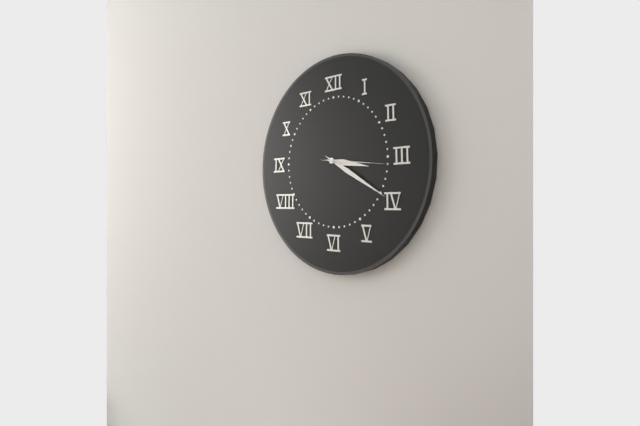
3:20:16
